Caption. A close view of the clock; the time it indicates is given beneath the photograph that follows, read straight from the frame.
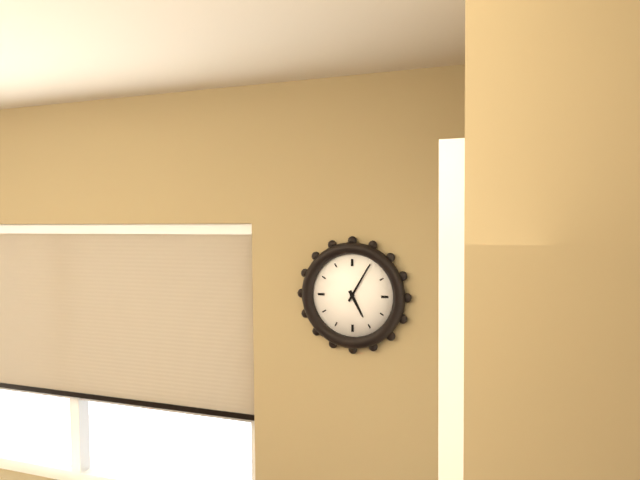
5:05
